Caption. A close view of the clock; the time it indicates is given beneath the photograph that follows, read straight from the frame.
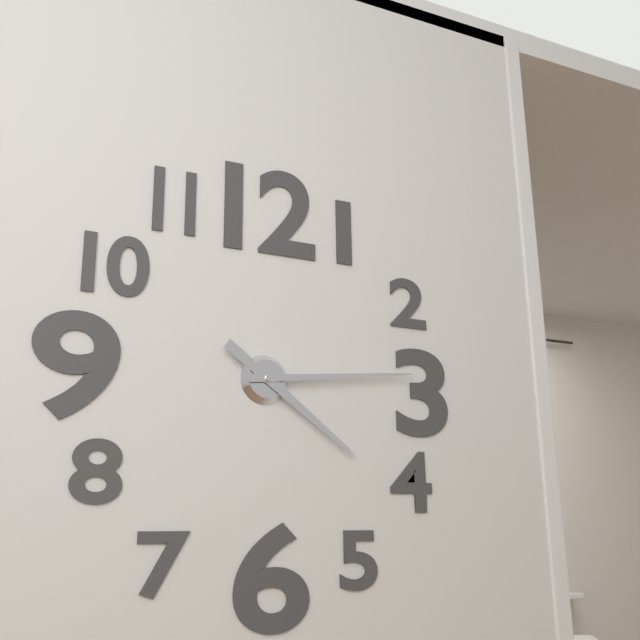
4:14
